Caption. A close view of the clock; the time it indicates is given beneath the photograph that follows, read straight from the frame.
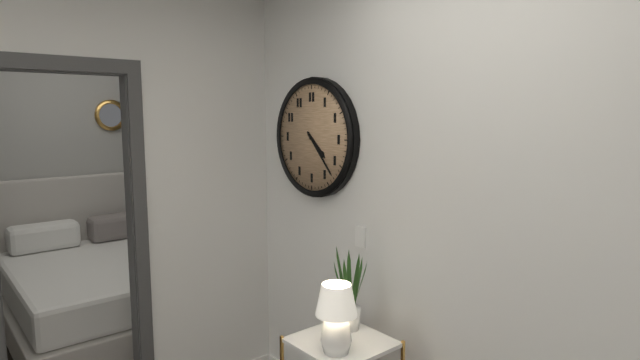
4:23
